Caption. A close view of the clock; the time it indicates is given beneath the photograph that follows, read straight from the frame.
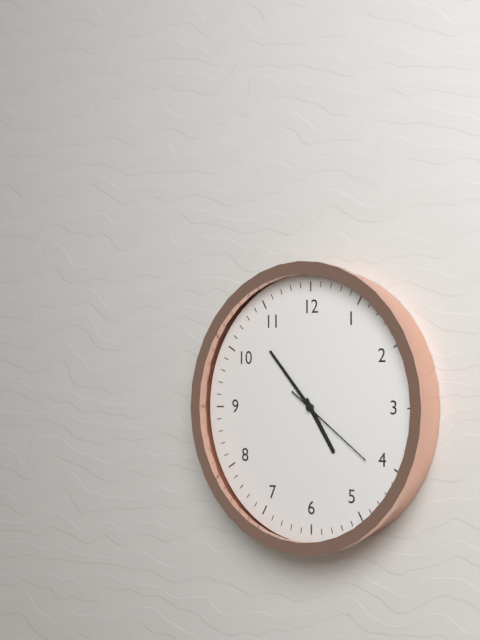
4:53:21
